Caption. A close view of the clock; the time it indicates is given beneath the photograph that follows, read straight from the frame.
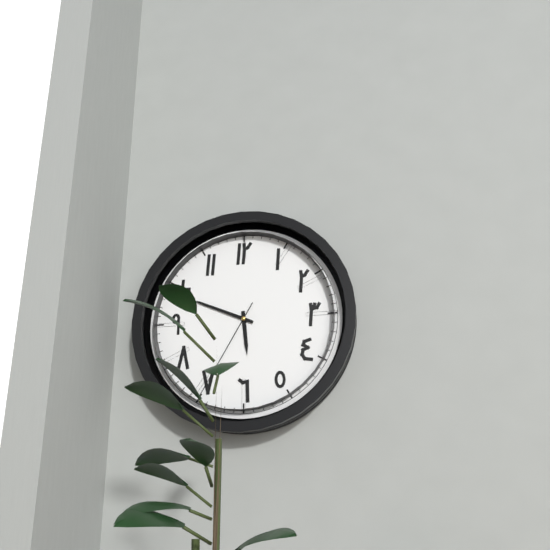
5:49:35
